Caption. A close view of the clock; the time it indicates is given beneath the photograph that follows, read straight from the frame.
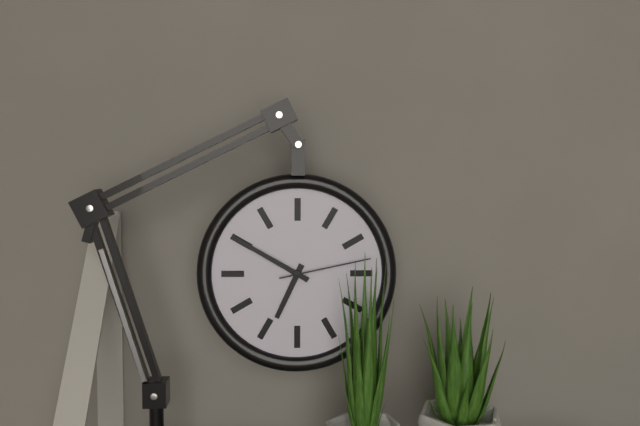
6:50:13
